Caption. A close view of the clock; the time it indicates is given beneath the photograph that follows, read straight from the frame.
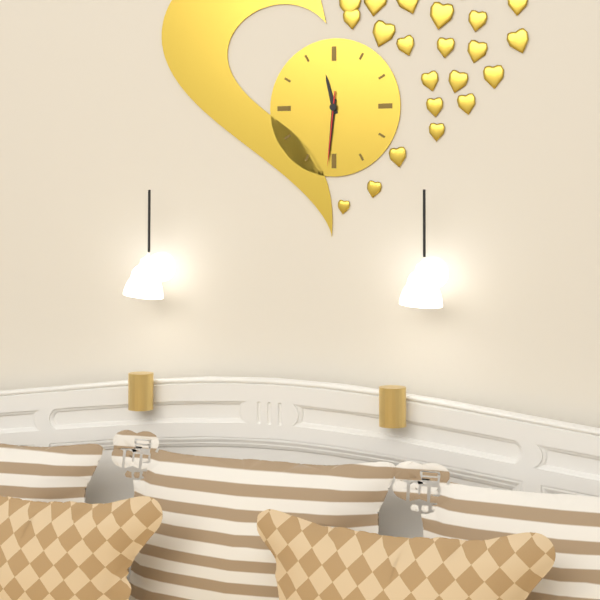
11:31:31
